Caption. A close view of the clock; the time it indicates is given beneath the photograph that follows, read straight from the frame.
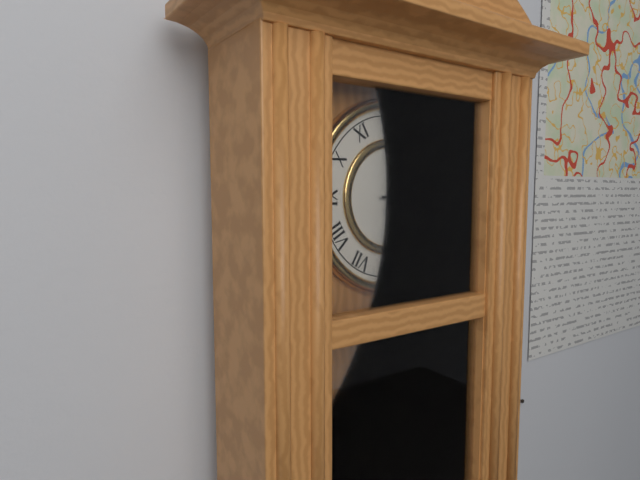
3:04
